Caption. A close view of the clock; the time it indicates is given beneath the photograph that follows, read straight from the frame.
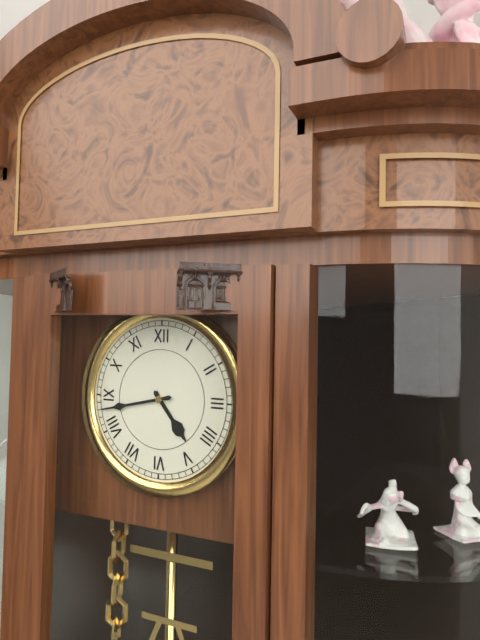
4:43
